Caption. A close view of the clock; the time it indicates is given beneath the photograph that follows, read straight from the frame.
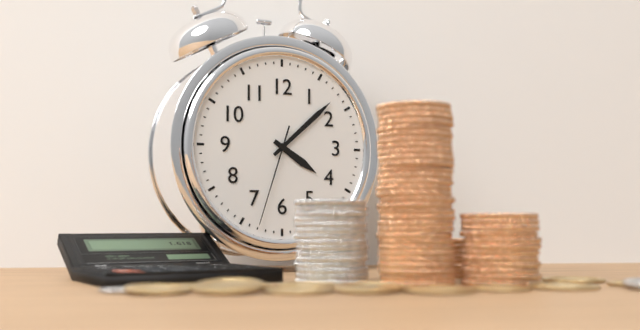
4:08:33
